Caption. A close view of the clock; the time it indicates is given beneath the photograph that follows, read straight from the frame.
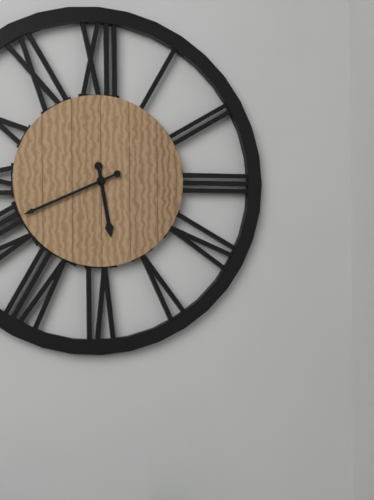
5:41
